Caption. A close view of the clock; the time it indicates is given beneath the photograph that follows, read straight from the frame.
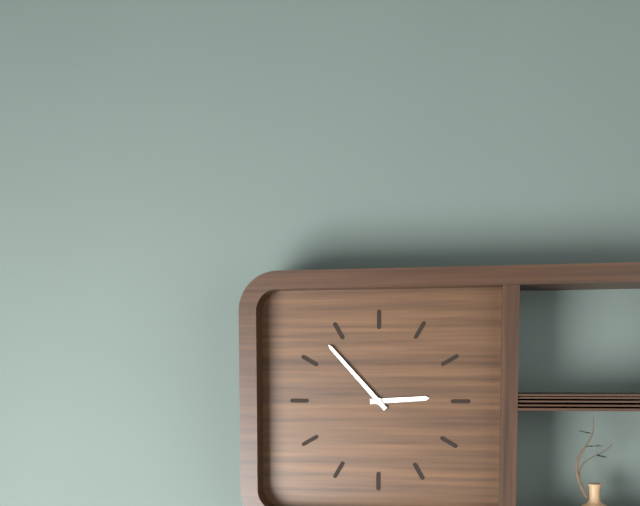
2:53
